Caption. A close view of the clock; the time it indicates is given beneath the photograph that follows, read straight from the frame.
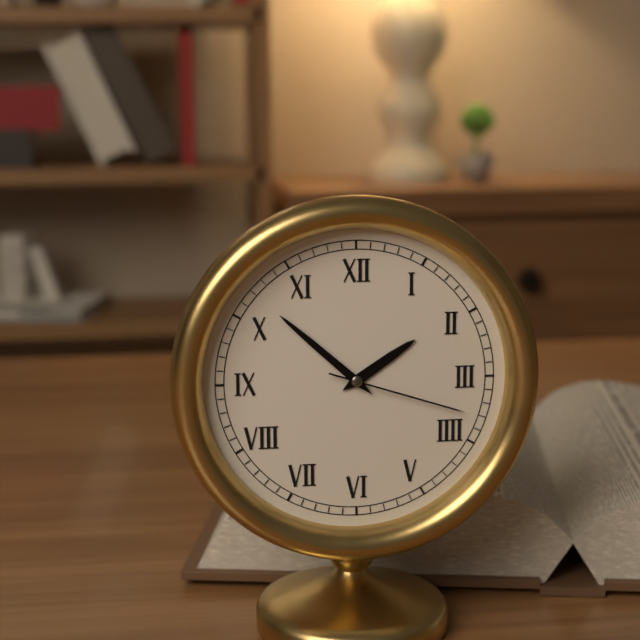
1:52:18
